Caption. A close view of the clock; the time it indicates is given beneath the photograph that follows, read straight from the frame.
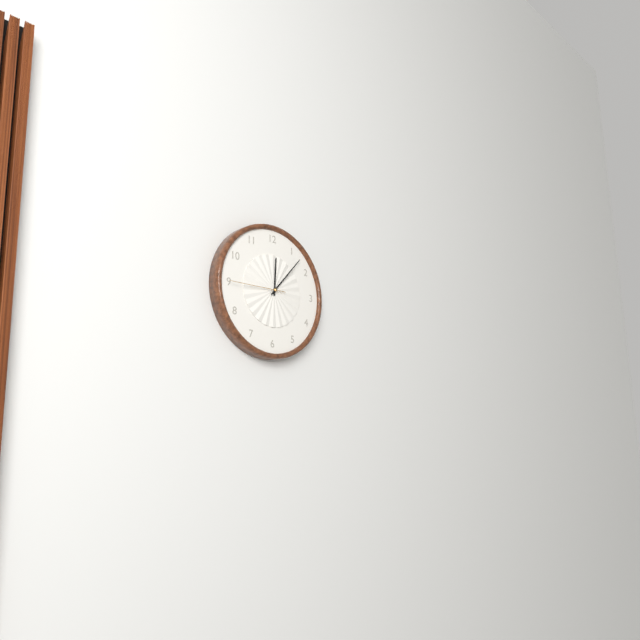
12:07:45
